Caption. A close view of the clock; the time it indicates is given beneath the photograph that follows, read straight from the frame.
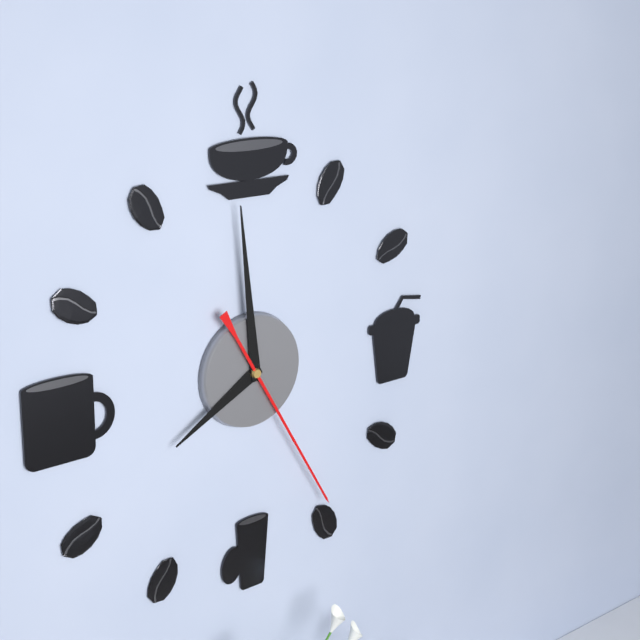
7:59:25
